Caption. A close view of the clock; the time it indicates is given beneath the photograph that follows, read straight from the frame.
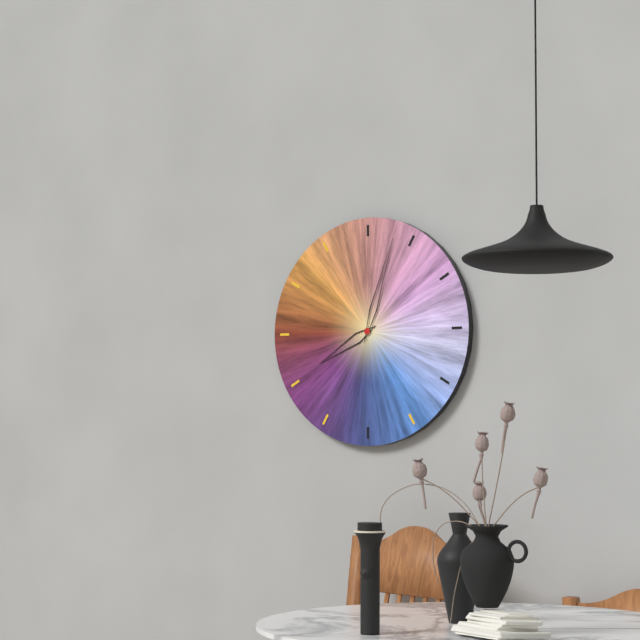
8:03
